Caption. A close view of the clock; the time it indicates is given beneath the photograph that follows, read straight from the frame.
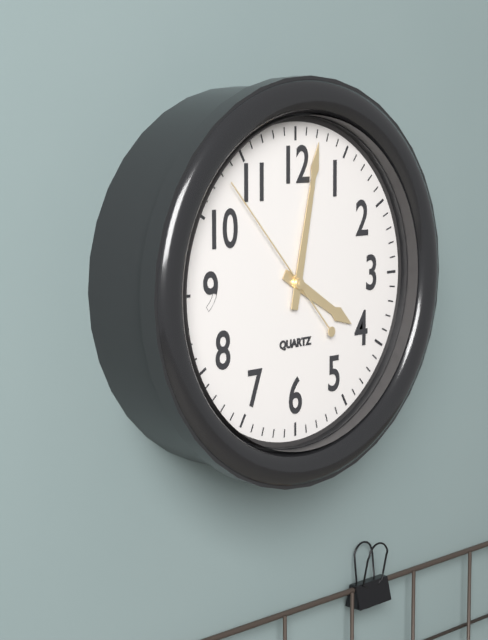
4:02:53
